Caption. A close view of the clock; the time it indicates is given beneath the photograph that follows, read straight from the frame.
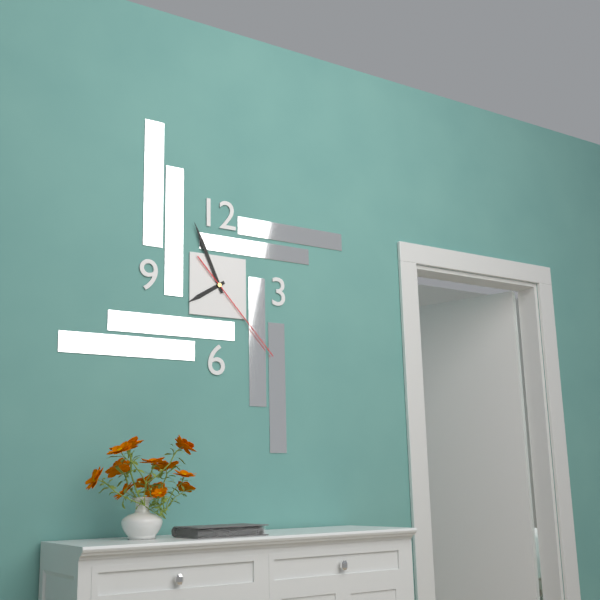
7:56:23
